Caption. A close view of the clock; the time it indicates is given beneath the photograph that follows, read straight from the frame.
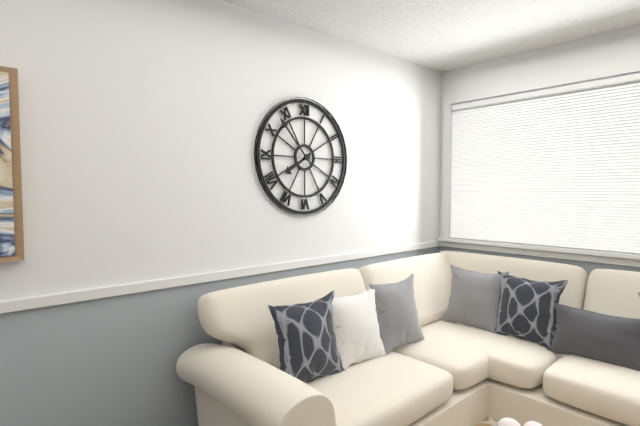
7:53
